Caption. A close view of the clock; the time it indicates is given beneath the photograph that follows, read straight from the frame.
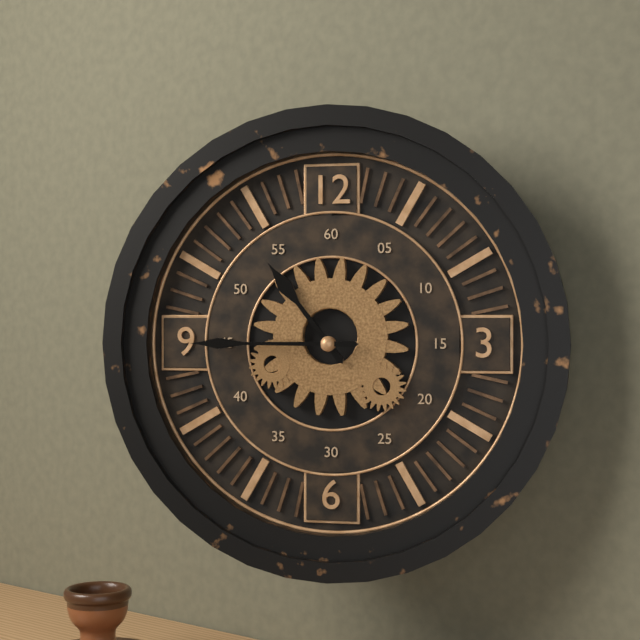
10:45
